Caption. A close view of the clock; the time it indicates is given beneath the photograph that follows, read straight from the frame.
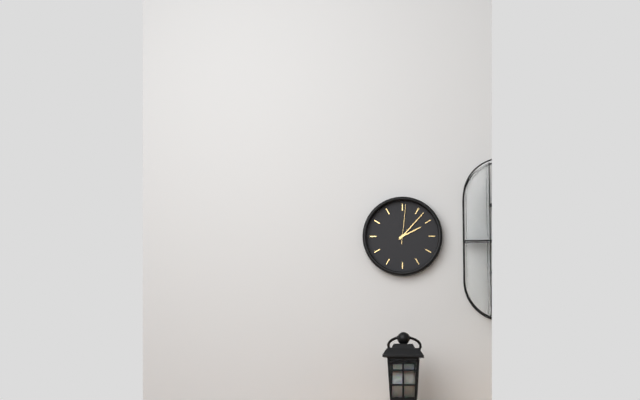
2:07
